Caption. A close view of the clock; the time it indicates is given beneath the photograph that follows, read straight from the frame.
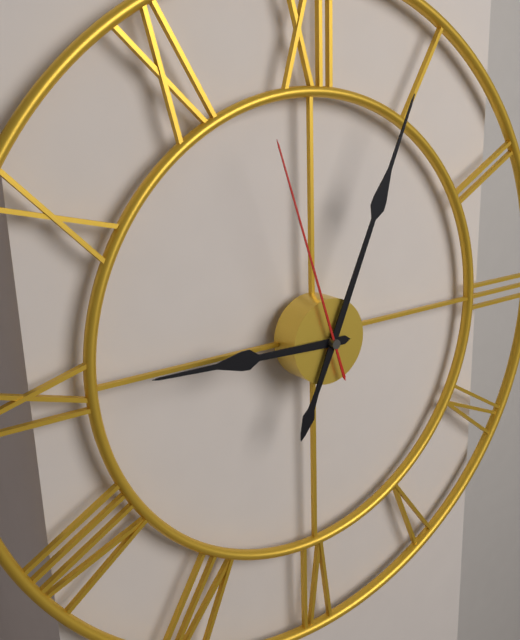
9:04:57
